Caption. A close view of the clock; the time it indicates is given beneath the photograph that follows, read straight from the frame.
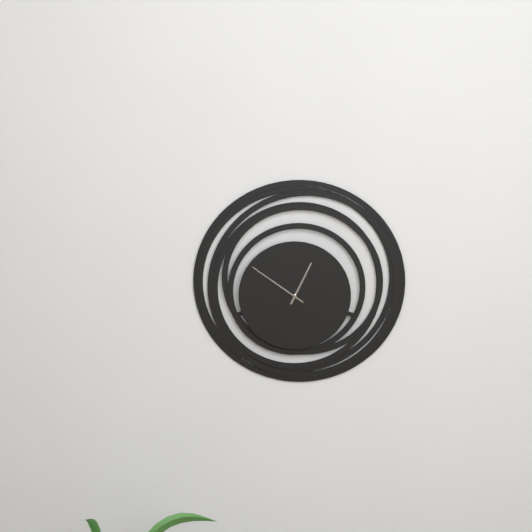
12:51
